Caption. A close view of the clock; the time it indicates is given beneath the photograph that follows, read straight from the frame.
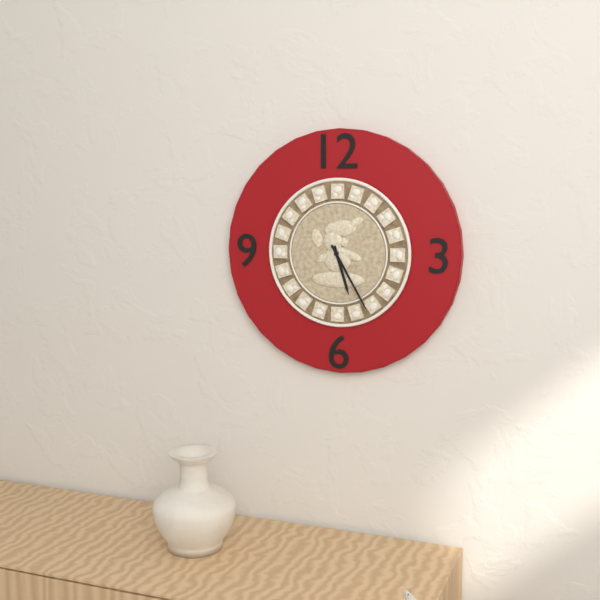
5:25
